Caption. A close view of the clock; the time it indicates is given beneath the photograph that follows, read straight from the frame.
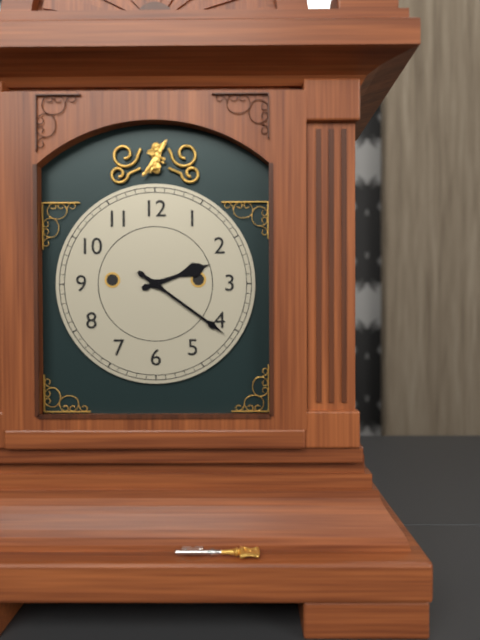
2:21
